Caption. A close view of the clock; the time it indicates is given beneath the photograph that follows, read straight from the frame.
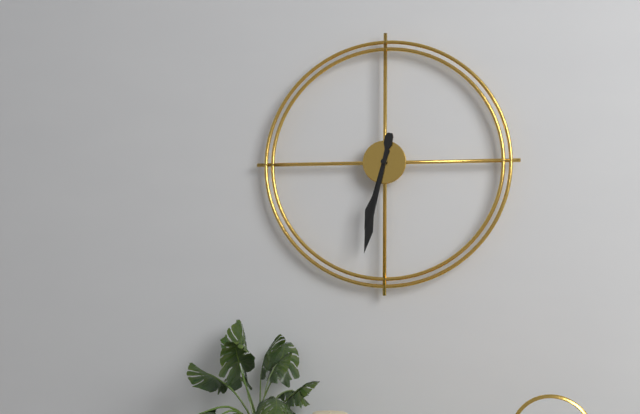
6:32
